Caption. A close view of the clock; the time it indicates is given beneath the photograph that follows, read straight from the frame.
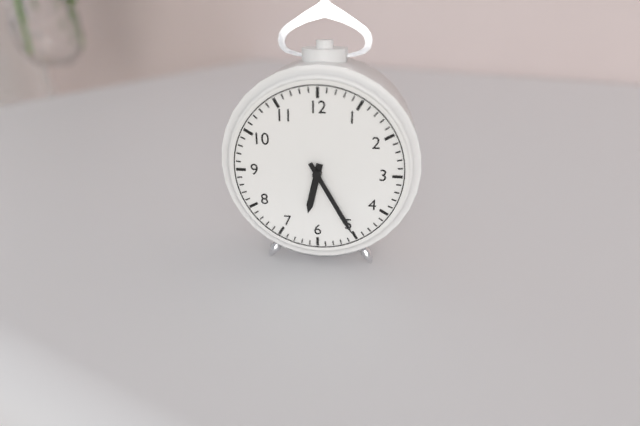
6:25
